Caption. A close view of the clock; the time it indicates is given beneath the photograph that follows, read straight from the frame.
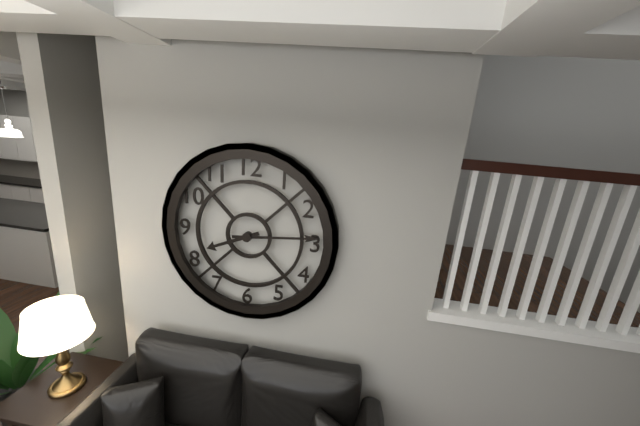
8:14
